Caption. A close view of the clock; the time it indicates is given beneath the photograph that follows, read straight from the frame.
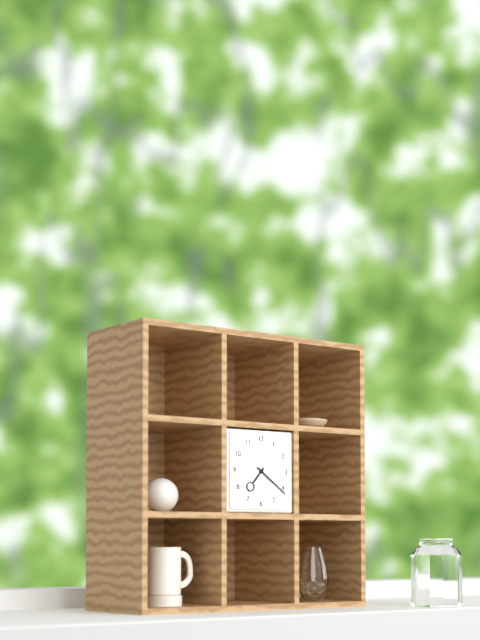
7:21
